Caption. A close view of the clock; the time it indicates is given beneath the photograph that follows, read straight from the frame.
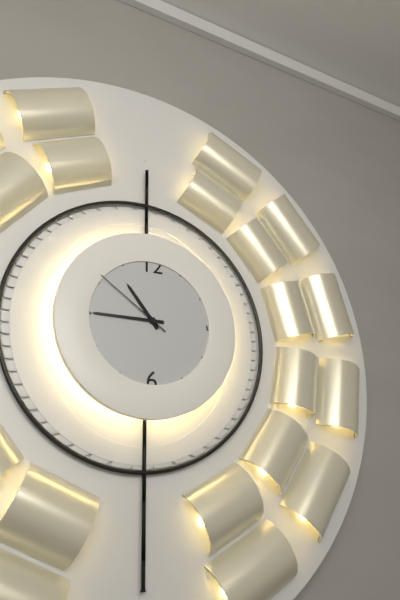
10:45:51
